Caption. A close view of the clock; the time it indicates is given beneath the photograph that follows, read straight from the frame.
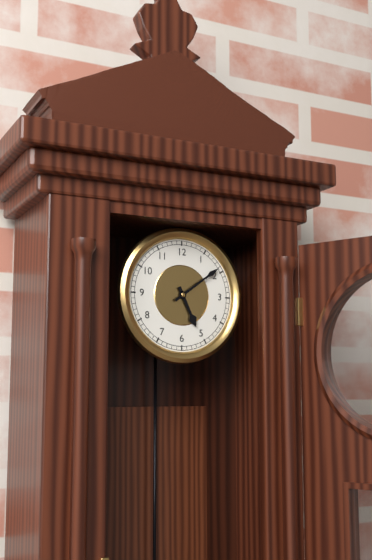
5:09
